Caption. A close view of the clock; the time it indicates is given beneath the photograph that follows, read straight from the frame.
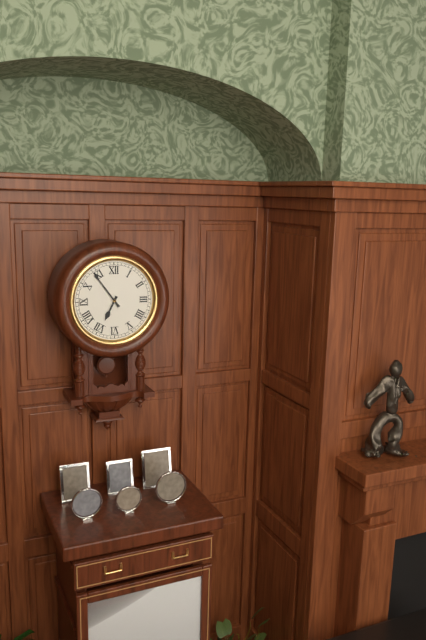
6:54
